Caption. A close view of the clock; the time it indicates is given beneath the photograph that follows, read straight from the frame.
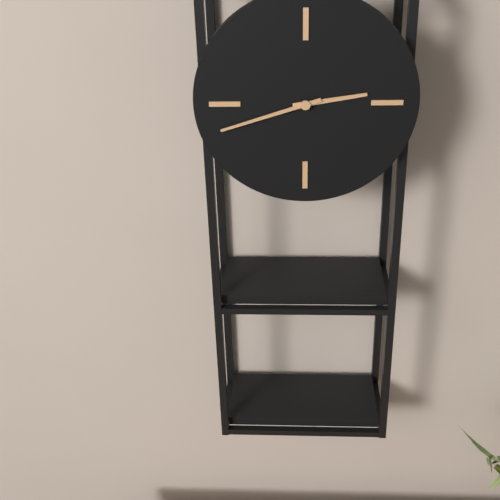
2:42
